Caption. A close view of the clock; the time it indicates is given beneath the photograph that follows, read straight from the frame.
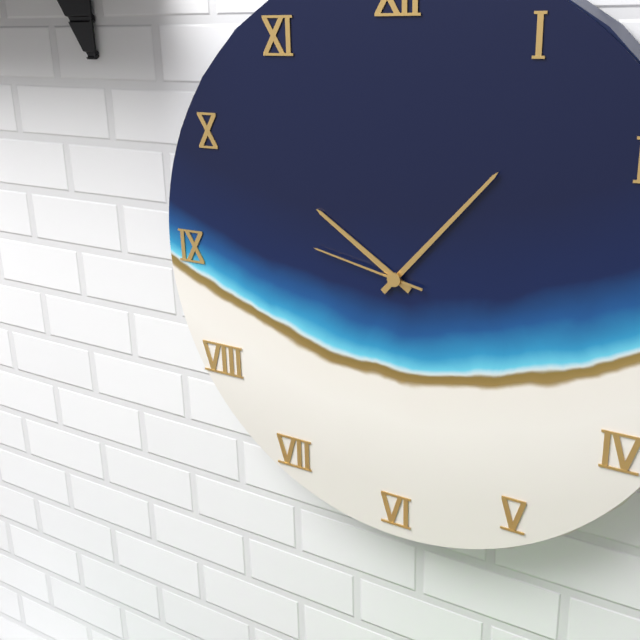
10:07:47
